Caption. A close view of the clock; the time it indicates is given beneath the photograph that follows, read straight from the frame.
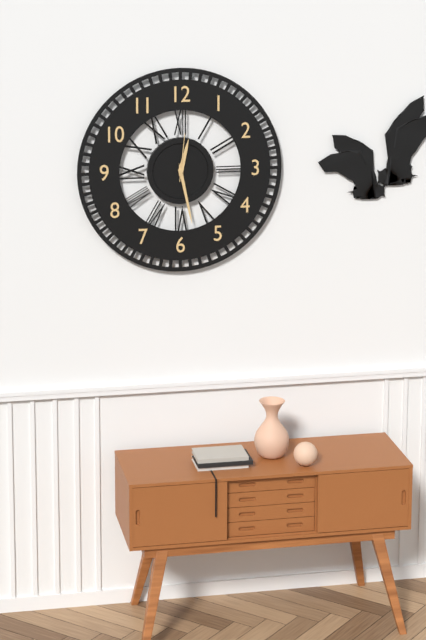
12:28
